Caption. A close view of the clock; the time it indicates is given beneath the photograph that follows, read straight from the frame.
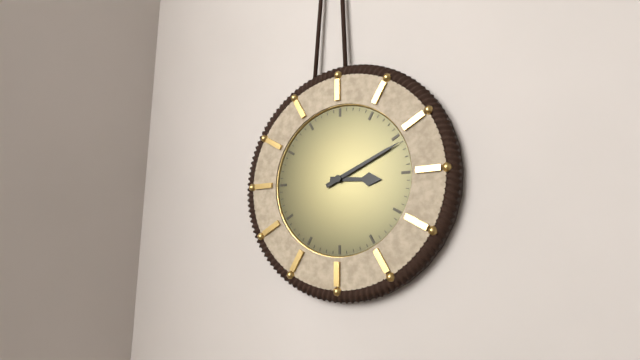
3:11
